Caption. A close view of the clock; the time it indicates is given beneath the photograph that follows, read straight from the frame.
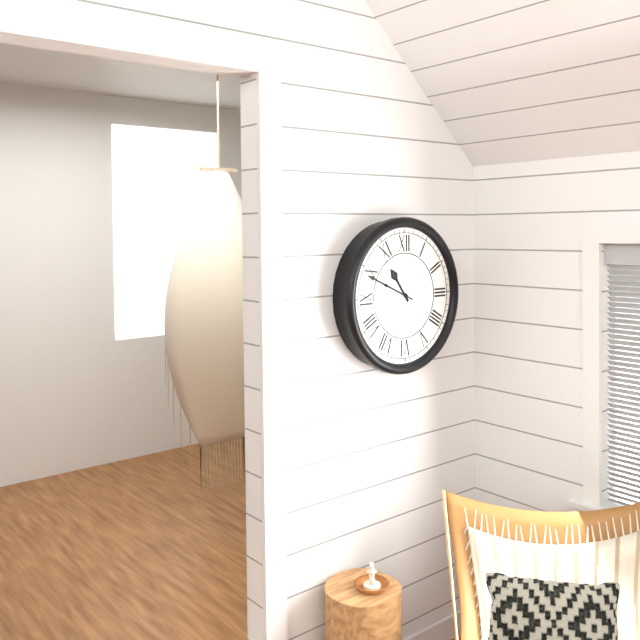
10:49
